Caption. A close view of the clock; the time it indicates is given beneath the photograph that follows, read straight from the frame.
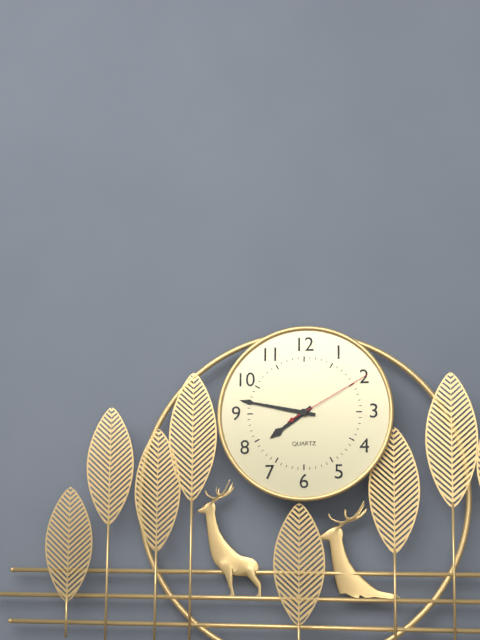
7:47:10
